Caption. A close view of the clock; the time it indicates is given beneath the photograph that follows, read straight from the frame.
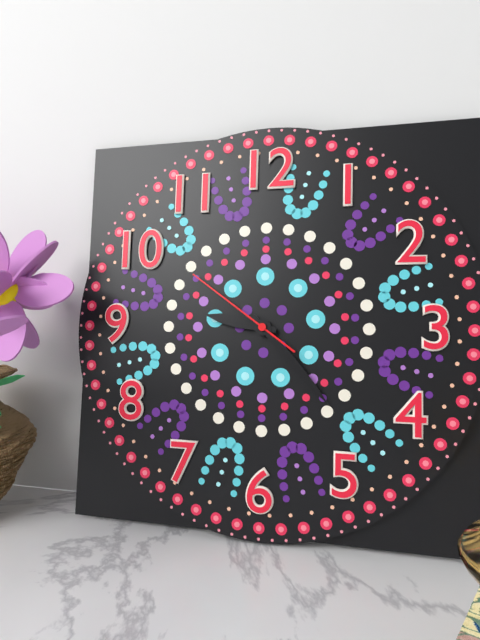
9:23:51
